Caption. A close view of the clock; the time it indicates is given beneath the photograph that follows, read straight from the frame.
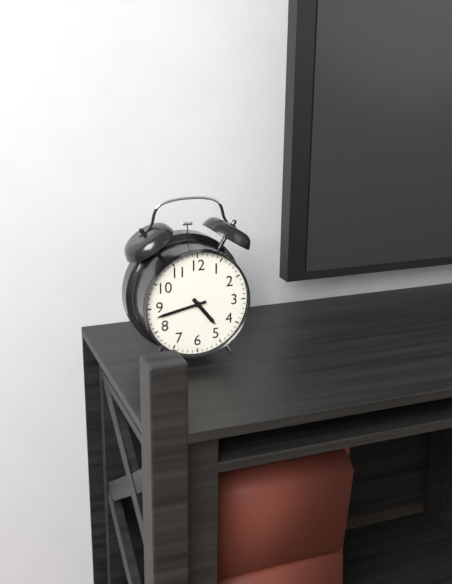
4:43
